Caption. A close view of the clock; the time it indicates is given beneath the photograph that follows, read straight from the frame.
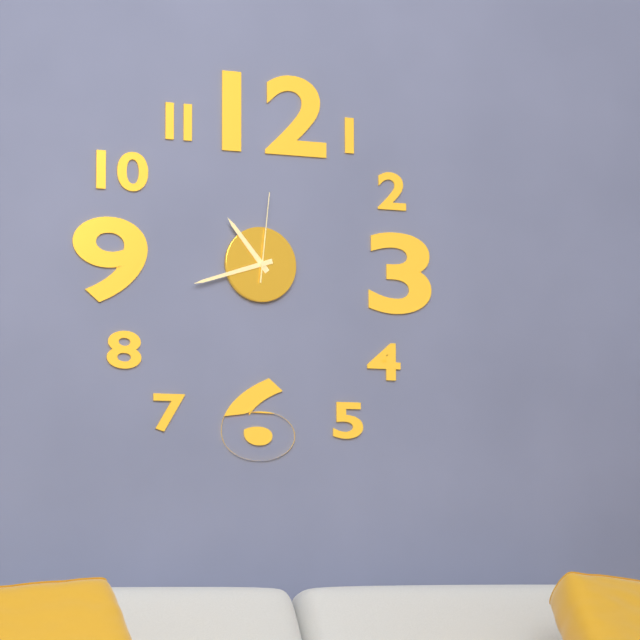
10:42:01
